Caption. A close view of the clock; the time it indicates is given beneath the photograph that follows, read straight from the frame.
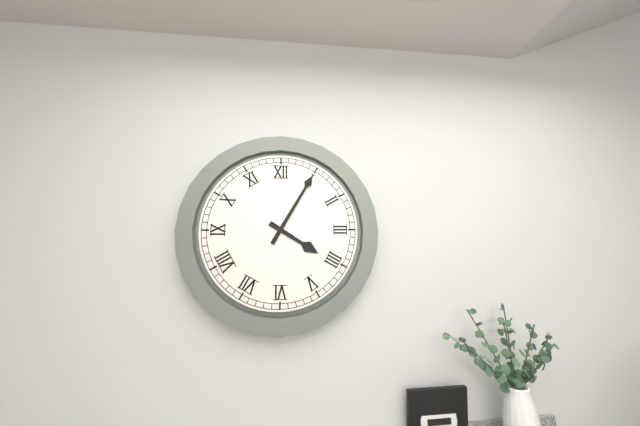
4:05
